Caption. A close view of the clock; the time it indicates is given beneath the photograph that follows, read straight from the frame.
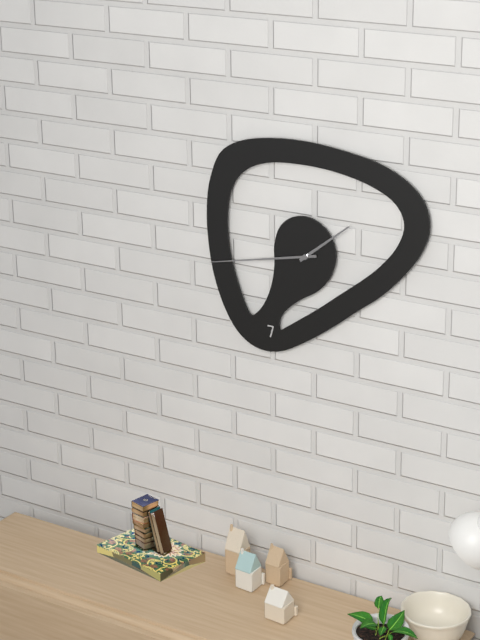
1:43
